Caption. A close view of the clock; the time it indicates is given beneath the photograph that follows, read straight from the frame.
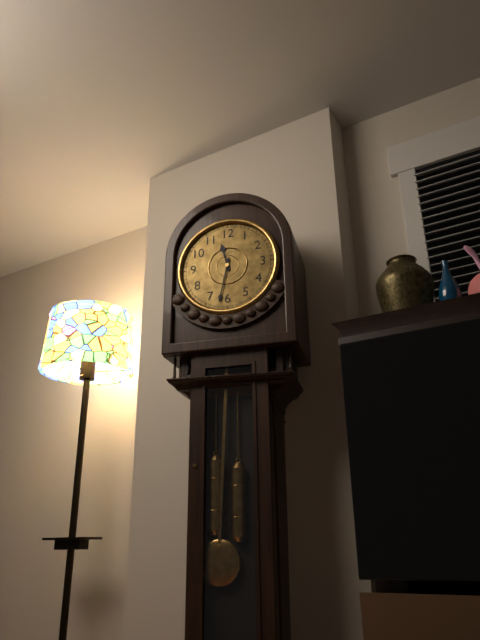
11:32
